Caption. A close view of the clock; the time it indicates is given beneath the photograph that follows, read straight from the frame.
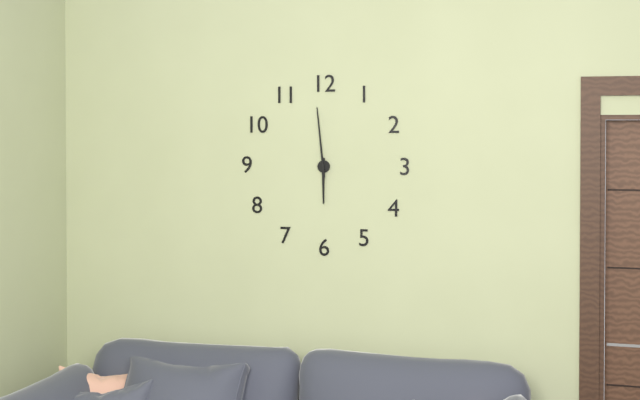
5:59
